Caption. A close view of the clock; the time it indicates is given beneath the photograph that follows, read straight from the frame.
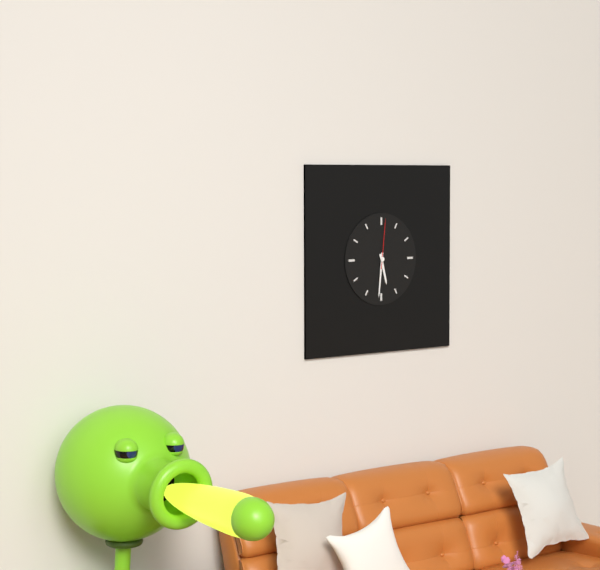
5:31:01
